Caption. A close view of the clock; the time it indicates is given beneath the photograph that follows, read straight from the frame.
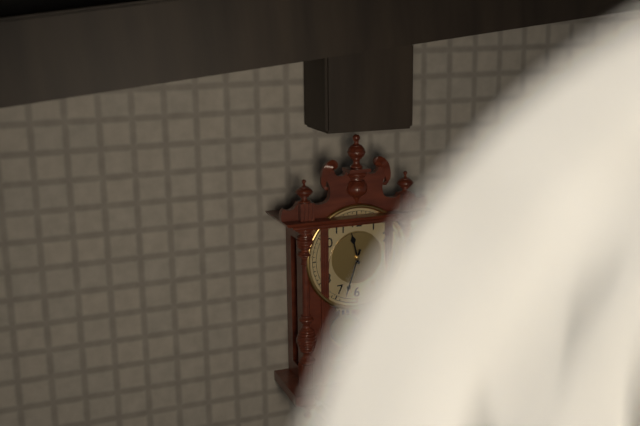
11:33
